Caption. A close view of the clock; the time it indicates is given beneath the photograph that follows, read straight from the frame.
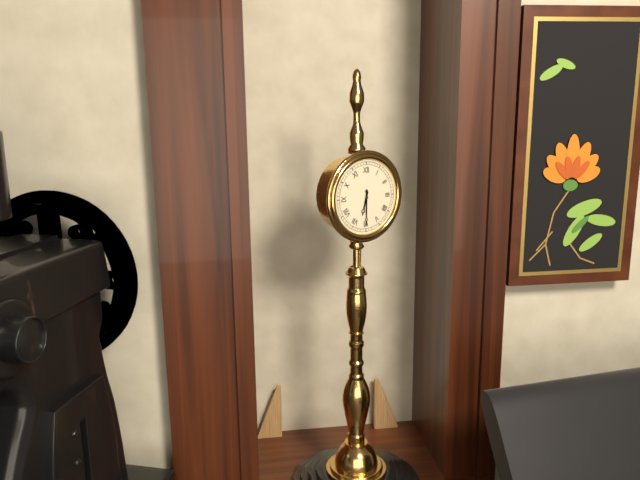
6:30
